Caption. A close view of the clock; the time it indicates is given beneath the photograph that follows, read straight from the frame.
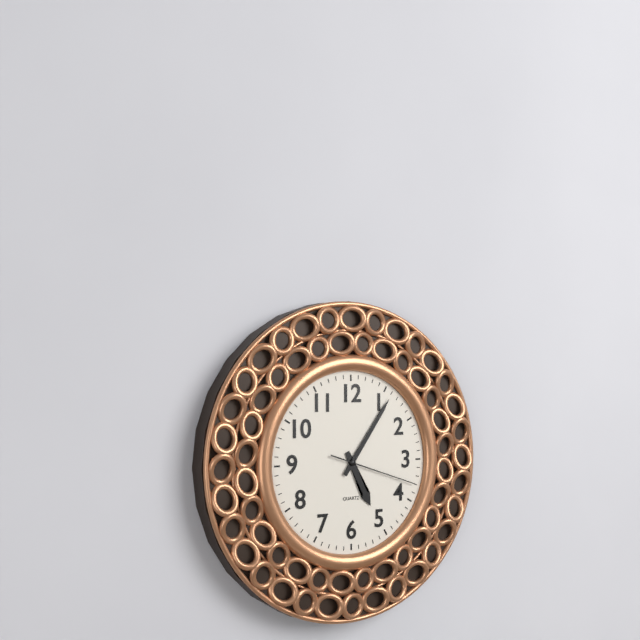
5:06:18
